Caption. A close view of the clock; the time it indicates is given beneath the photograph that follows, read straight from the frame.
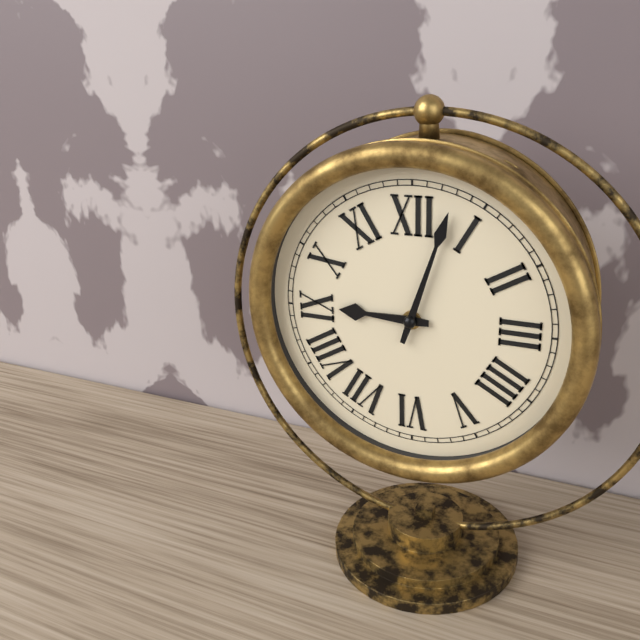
9:03
